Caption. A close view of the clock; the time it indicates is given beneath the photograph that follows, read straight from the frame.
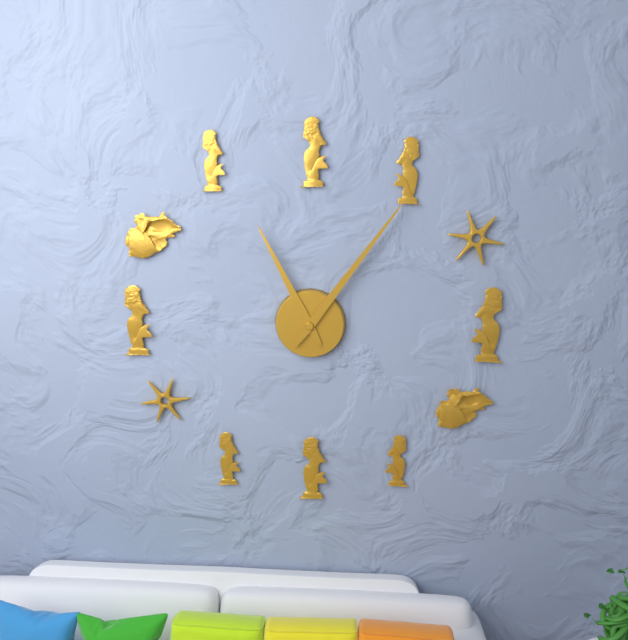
11:06
